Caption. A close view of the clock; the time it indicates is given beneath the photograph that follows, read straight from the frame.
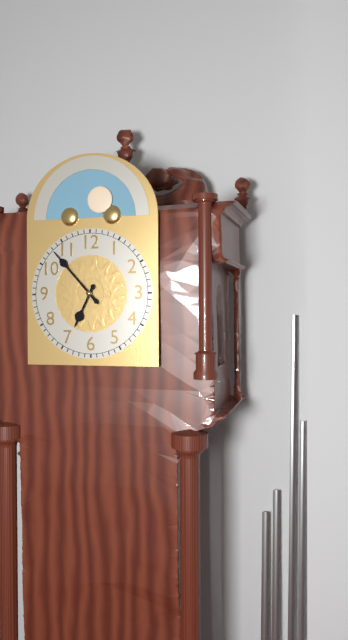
6:53
